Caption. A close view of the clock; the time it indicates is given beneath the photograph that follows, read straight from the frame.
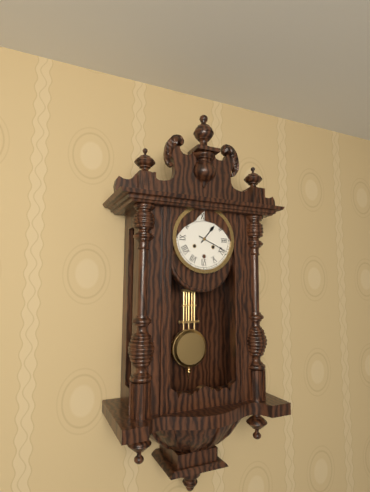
1:19
